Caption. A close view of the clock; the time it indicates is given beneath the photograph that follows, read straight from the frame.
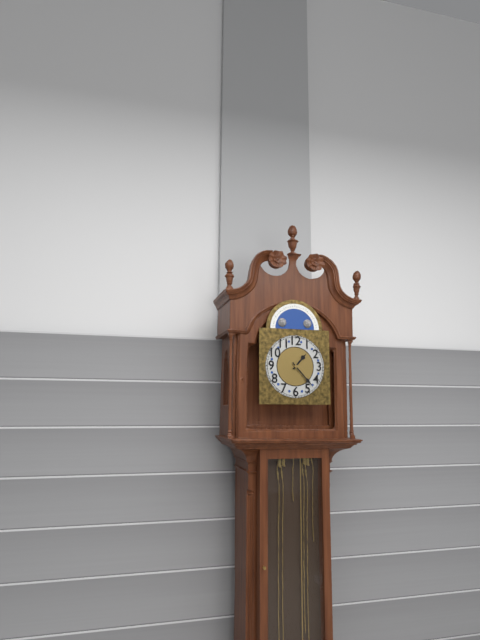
1:23
